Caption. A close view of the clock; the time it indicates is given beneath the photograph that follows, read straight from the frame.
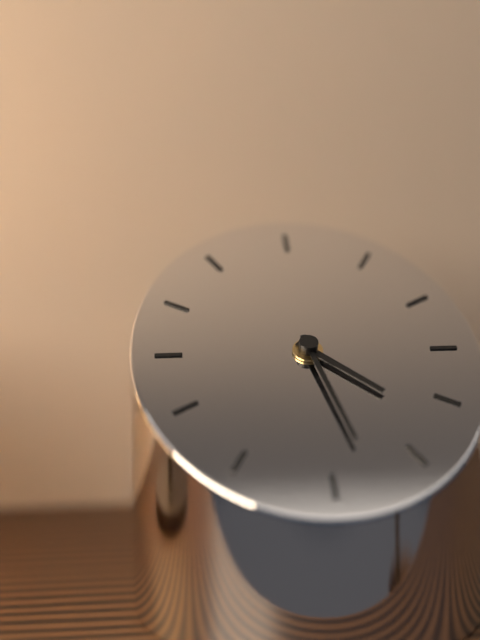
4:28
